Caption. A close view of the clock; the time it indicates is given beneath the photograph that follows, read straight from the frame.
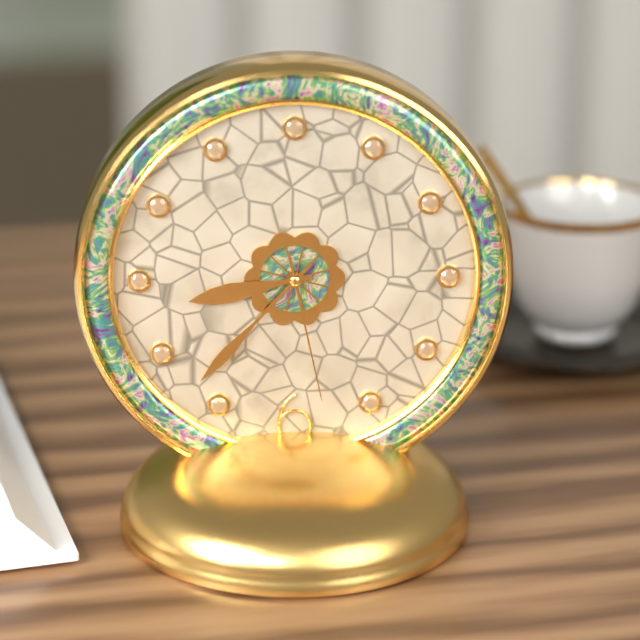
8:37:28
